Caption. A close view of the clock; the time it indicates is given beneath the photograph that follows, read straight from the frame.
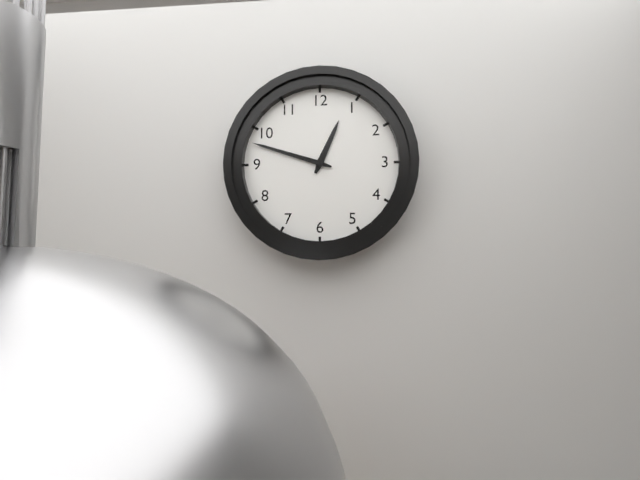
12:48
